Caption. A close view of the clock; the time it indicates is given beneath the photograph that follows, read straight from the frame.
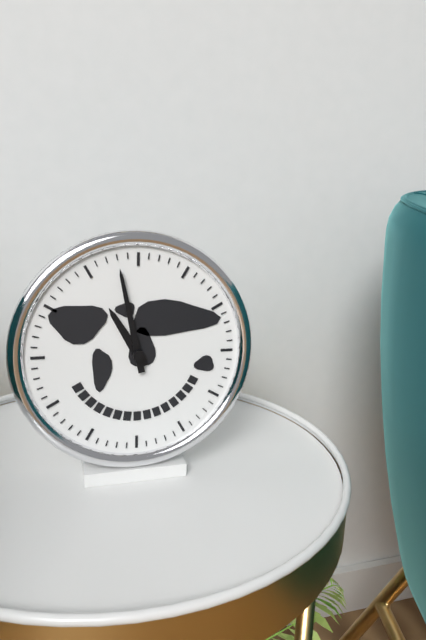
10:58
